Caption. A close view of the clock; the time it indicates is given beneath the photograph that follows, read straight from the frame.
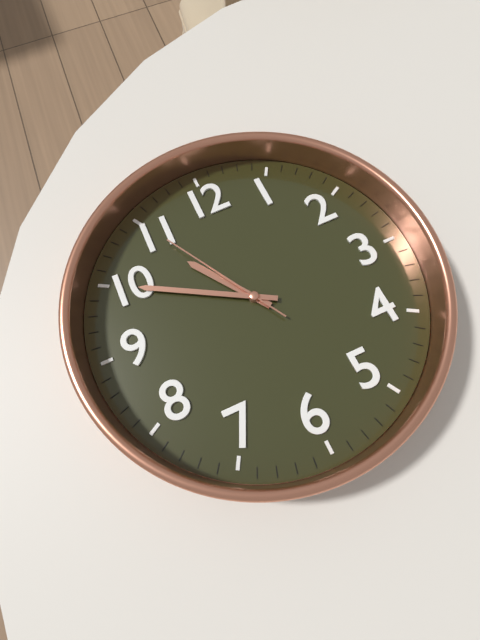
10:50:55
